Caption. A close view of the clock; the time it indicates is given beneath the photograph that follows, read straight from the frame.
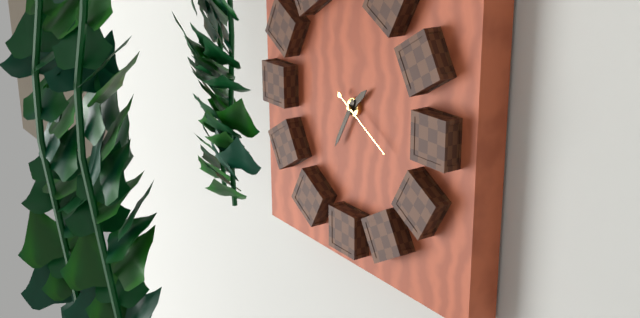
1:35:20
